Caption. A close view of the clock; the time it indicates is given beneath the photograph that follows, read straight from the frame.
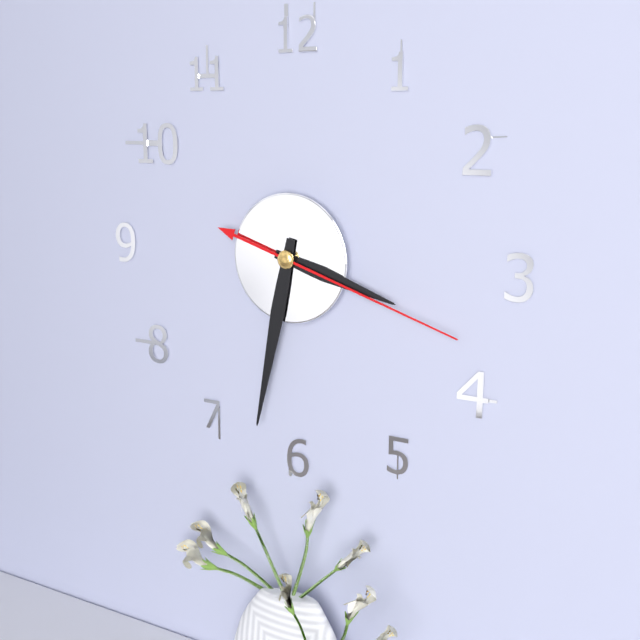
3:32:18
